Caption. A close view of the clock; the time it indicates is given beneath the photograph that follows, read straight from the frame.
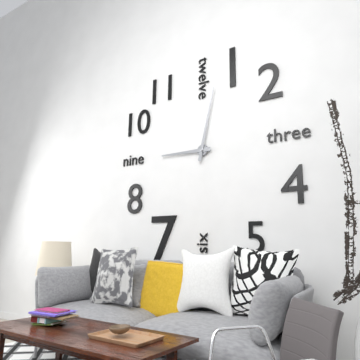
9:02
